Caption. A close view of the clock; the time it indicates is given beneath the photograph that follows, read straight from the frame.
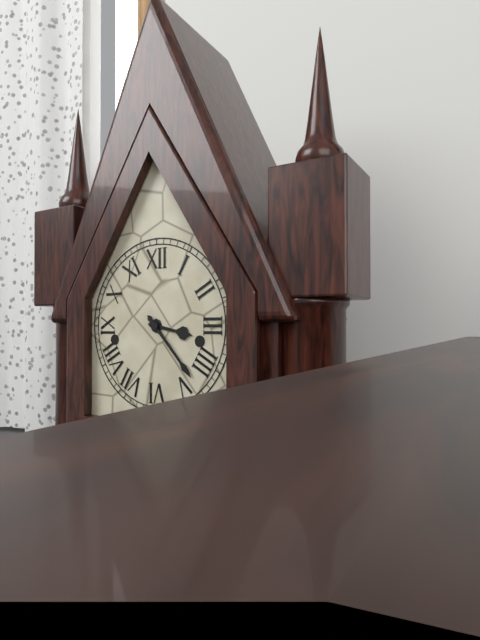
3:23
